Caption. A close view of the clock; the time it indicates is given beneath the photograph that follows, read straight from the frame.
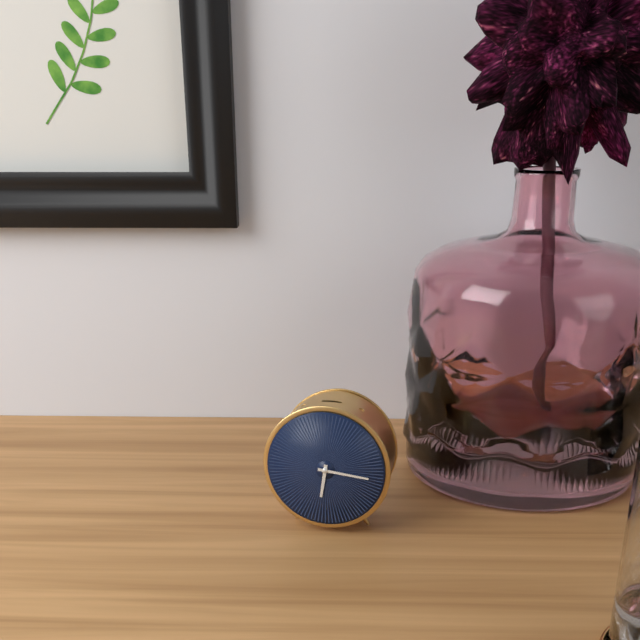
6:16
